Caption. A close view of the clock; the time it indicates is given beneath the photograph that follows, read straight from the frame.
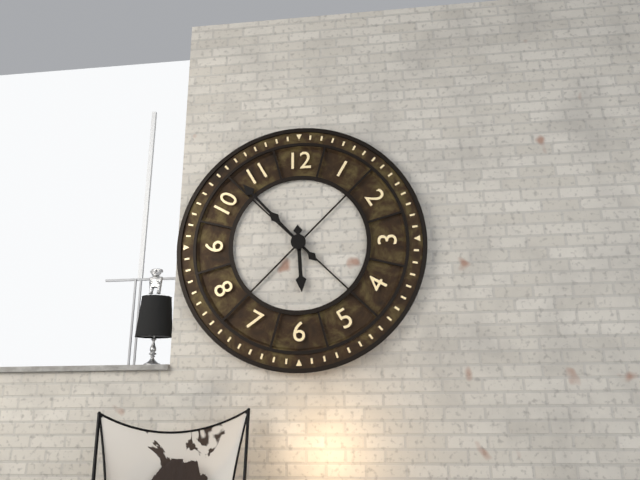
5:53
